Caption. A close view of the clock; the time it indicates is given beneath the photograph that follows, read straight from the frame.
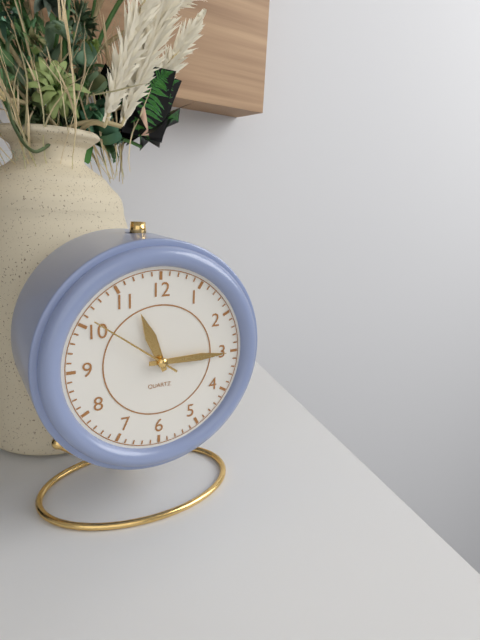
11:15:51
